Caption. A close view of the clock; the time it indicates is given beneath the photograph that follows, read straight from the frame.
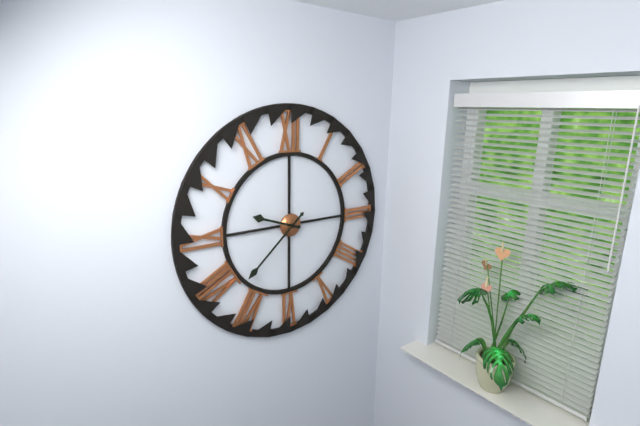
9:38
